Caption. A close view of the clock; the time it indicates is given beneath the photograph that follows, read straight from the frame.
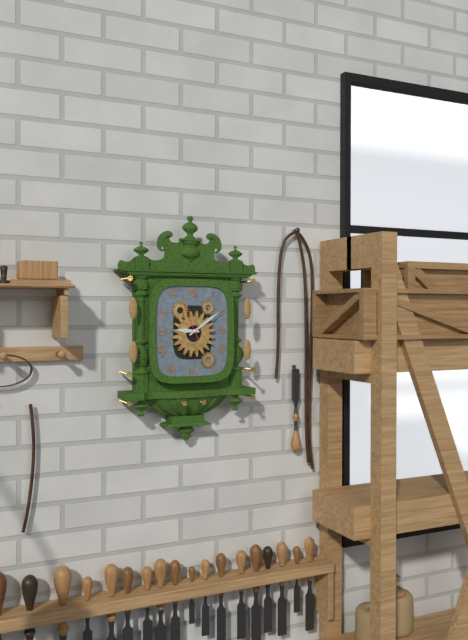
9:09
